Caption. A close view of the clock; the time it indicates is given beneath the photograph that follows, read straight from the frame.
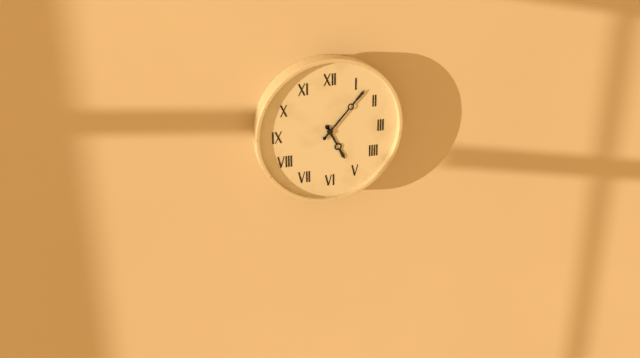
5:07
